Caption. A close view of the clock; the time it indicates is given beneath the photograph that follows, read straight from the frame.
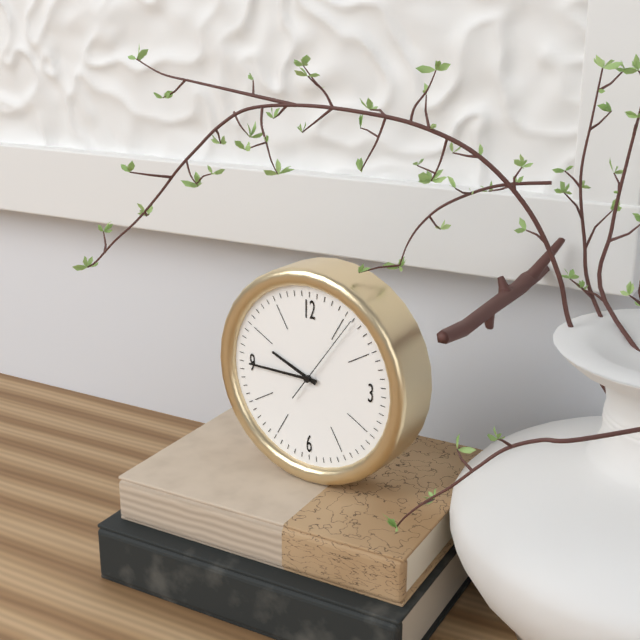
9:45:06
